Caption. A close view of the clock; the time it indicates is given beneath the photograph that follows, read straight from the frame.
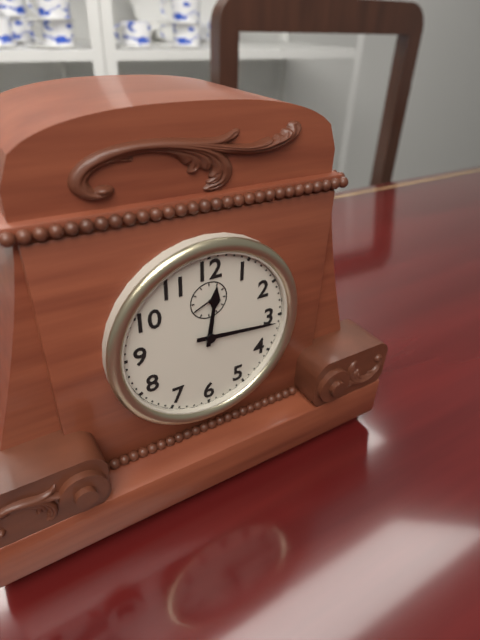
12:16
